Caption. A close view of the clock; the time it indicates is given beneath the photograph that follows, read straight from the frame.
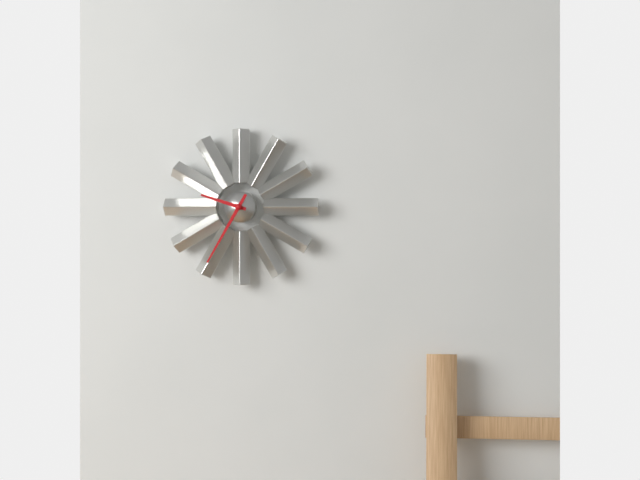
9:35
